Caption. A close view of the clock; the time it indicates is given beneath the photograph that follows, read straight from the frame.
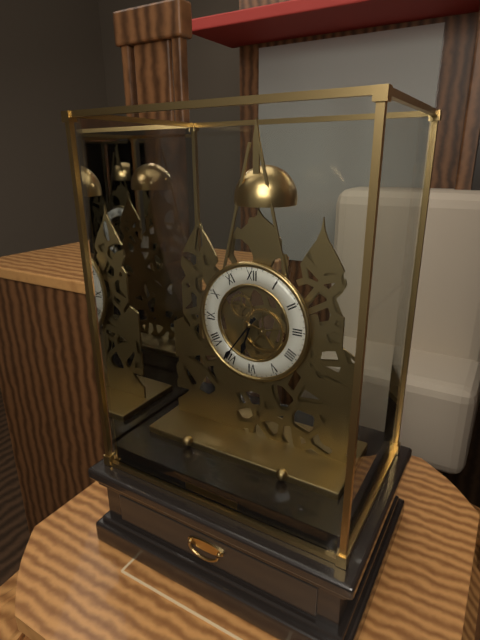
6:36
